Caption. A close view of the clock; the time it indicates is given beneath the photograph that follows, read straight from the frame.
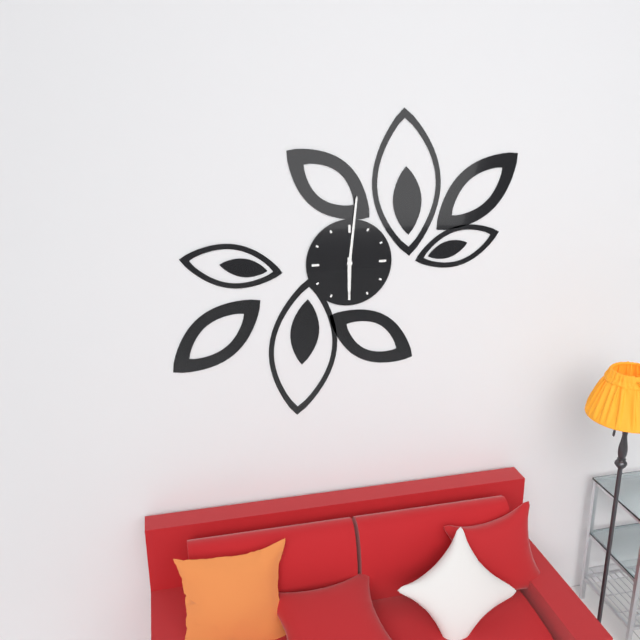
6:01
